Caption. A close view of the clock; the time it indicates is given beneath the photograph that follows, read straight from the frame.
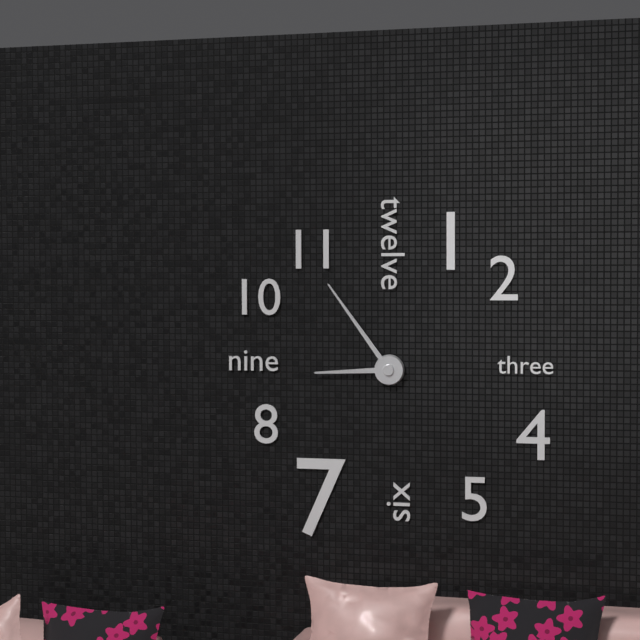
8:54
